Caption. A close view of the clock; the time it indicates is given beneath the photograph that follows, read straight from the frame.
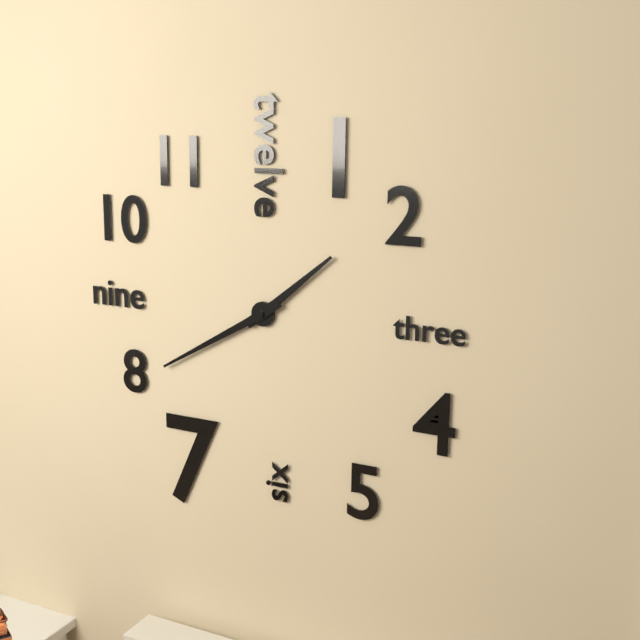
1:40
